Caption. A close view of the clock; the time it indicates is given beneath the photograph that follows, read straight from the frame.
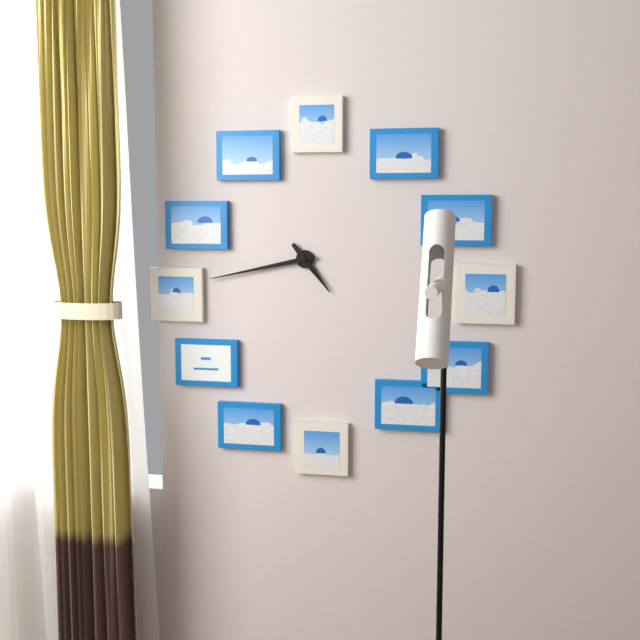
4:43
